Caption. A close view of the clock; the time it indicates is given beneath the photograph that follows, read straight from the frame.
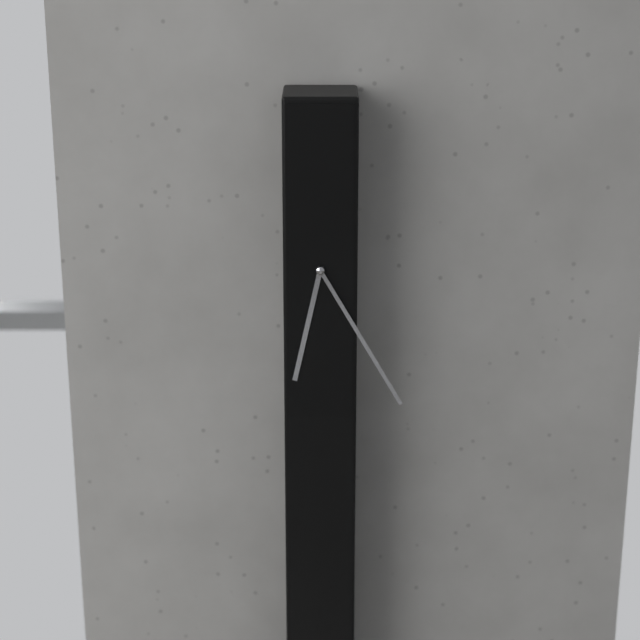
6:25
